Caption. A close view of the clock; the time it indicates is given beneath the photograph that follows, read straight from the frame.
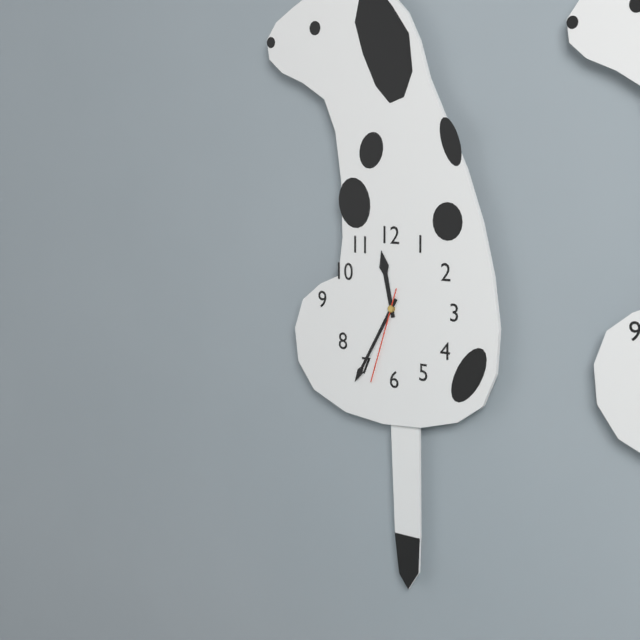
11:35:33
